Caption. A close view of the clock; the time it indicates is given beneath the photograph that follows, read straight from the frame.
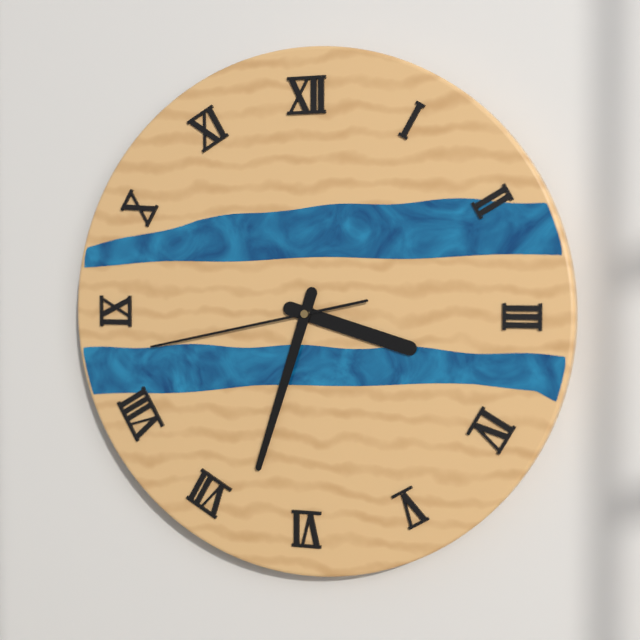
3:33:43
